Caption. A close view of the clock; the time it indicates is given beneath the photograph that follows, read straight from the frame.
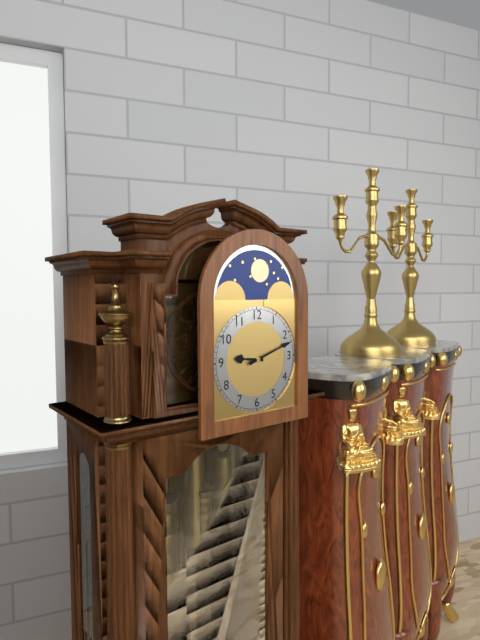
9:12
